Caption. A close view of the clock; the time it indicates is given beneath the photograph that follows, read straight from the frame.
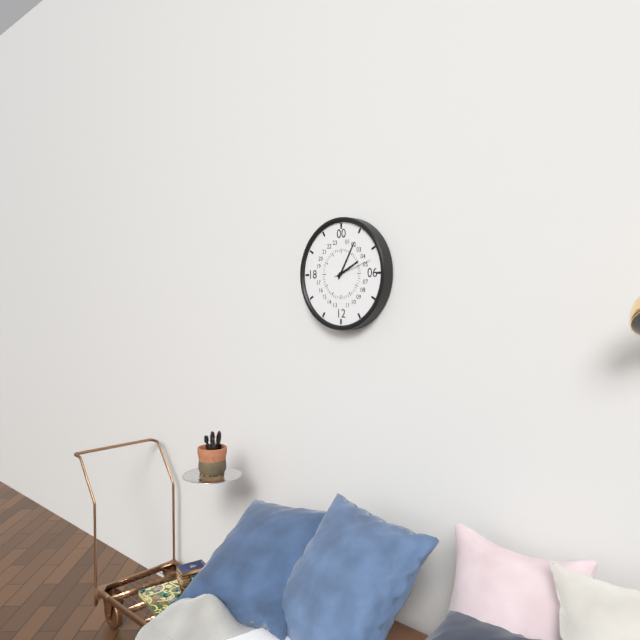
2:05
